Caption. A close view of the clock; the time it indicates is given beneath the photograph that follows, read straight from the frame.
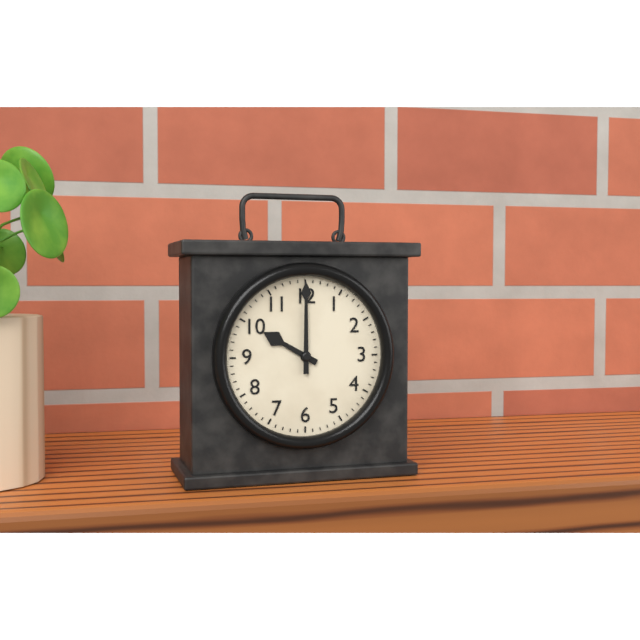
10:00
